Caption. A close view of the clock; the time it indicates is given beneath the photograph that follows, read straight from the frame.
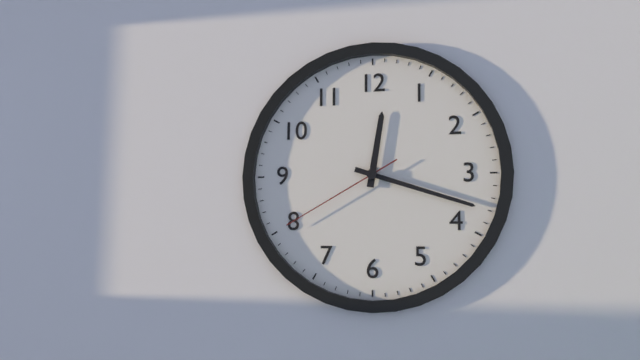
12:18:40
